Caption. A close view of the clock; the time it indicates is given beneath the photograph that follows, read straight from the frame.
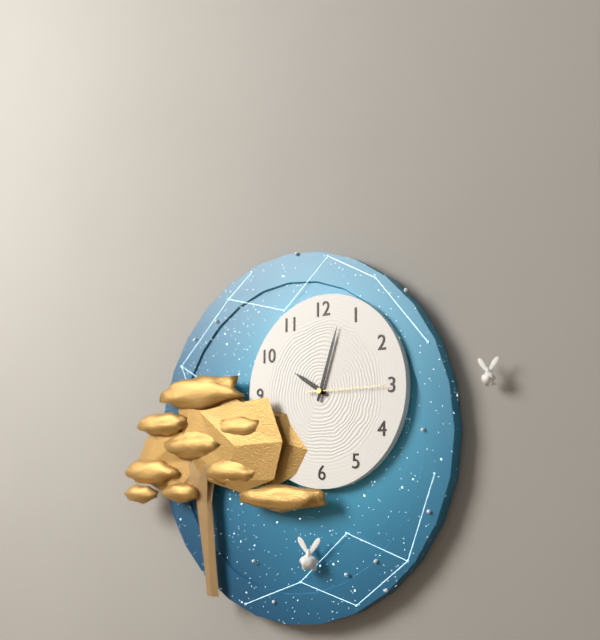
10:03:15
